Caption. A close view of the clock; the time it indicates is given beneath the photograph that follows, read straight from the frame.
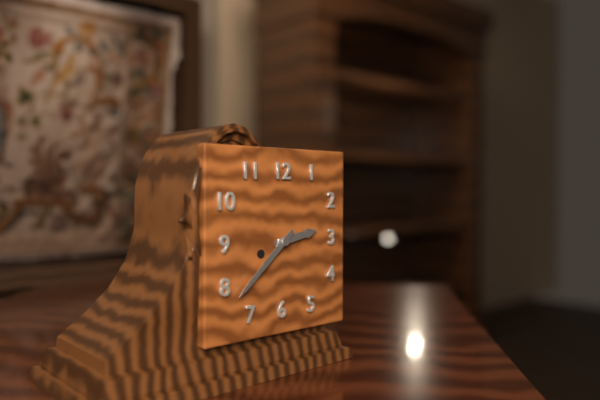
2:38
